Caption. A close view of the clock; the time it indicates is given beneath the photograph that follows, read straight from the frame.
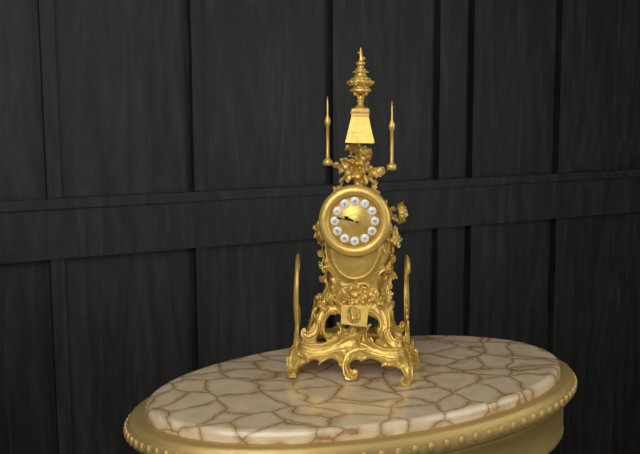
9:47
